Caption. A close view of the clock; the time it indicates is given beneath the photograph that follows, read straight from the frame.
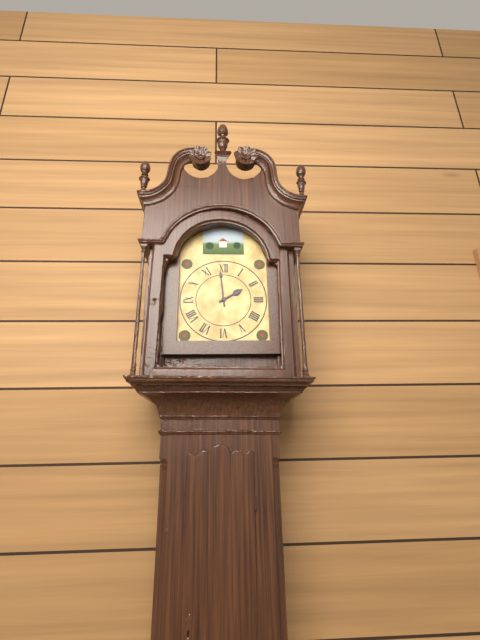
1:59
